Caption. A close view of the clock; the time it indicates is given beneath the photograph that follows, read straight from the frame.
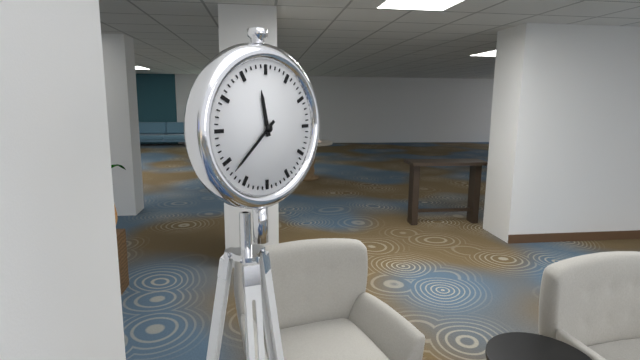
11:38
